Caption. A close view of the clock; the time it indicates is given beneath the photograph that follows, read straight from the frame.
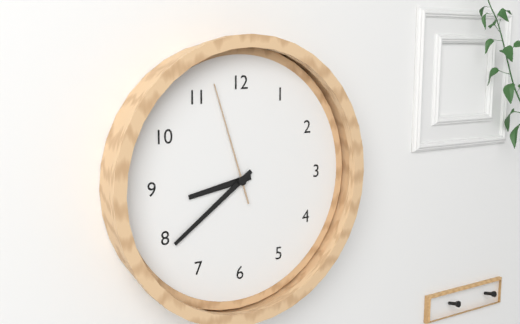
8:39:57
